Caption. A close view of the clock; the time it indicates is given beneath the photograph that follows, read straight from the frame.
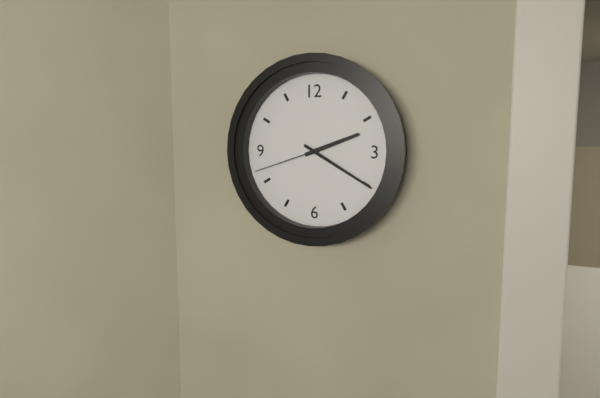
2:20:42
